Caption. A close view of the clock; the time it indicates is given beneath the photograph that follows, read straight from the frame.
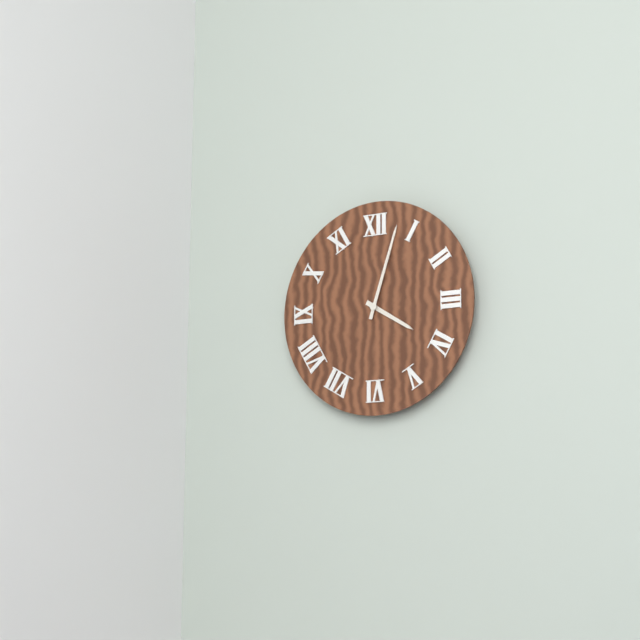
4:03
